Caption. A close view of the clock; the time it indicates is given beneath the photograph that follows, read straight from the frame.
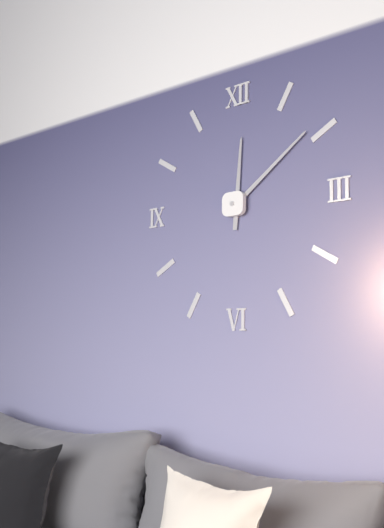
12:09
